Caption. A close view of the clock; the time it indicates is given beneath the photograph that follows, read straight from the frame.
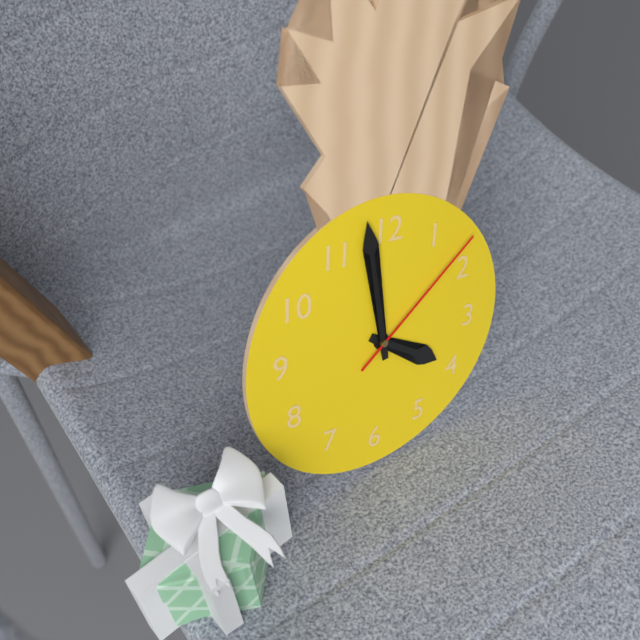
3:58:08
